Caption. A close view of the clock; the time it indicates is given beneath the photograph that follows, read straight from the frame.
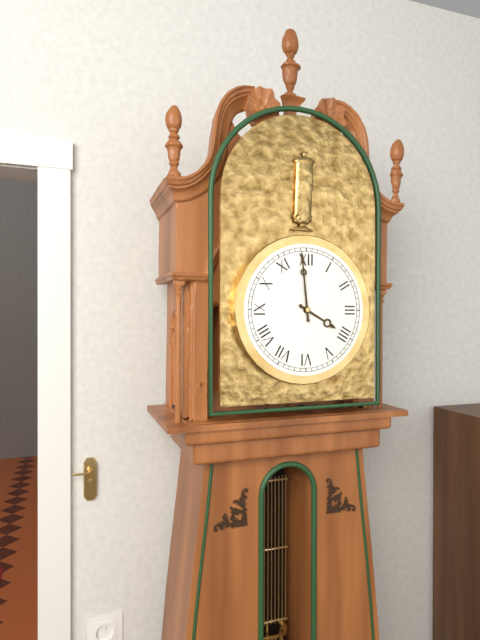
3:59
